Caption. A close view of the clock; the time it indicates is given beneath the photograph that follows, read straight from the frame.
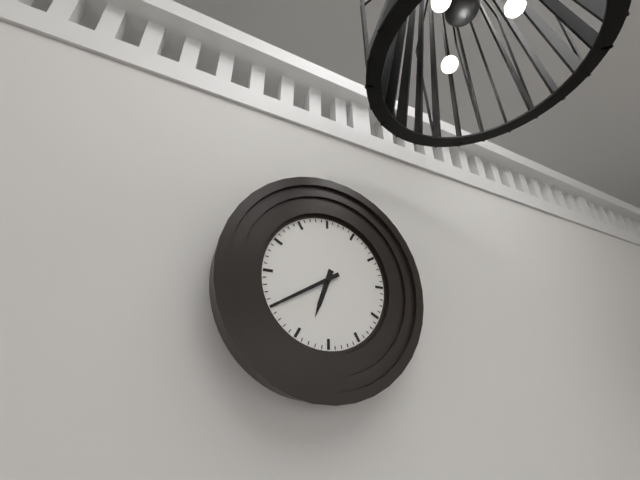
6:40
